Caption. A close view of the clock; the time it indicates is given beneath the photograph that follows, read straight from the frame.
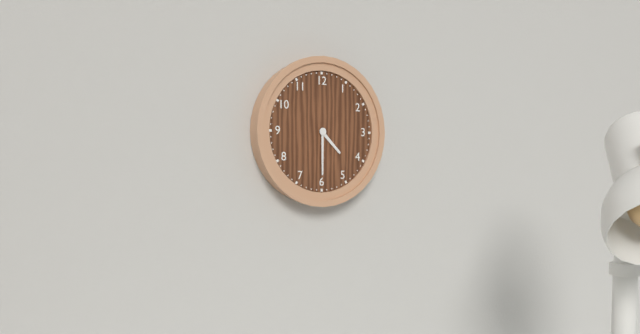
4:30
